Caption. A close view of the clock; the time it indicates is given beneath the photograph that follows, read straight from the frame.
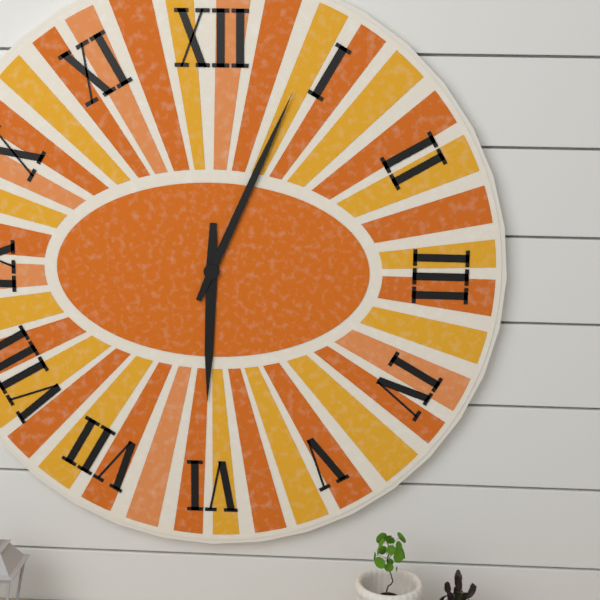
6:04
